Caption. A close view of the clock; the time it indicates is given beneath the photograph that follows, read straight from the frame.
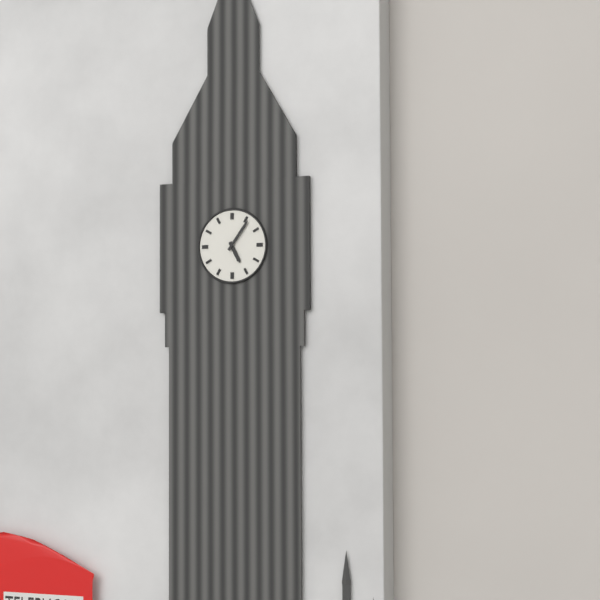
5:06
